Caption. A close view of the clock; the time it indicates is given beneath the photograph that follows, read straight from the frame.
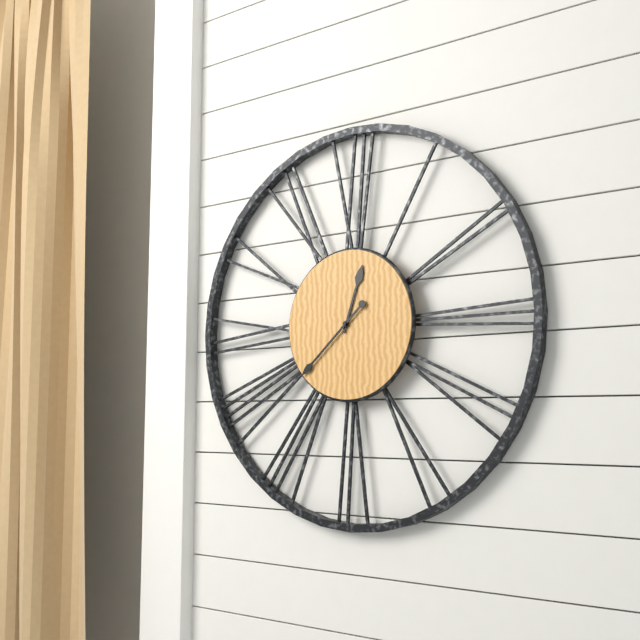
12:38
